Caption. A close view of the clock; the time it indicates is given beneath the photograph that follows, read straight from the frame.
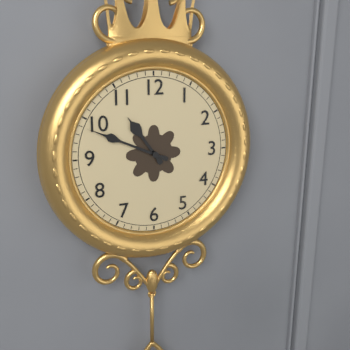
10:49
